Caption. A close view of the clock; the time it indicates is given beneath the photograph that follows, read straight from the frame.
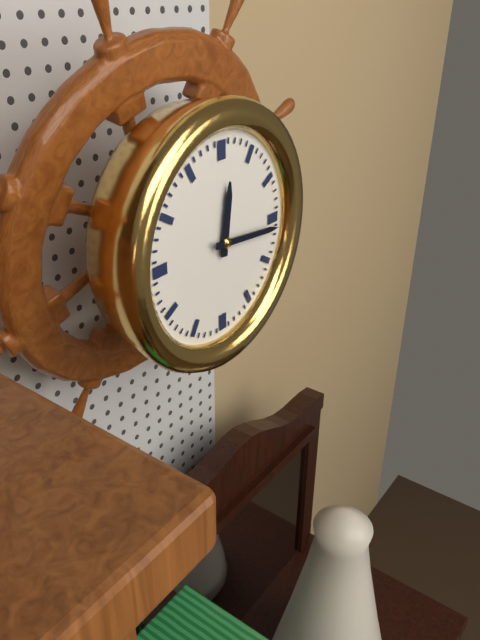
12:16
